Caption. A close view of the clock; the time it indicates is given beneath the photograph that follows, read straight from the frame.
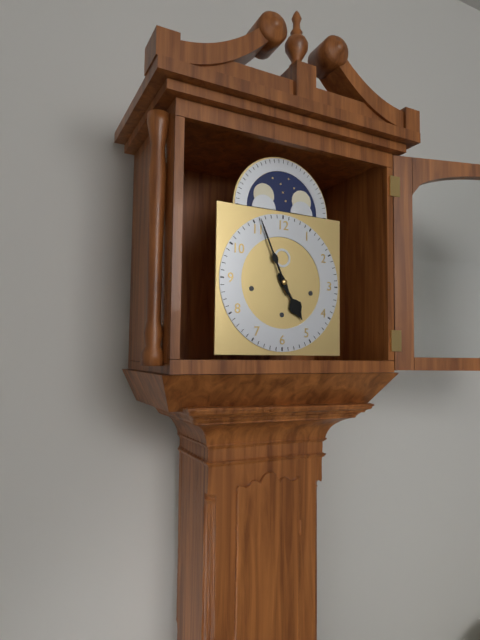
4:56
